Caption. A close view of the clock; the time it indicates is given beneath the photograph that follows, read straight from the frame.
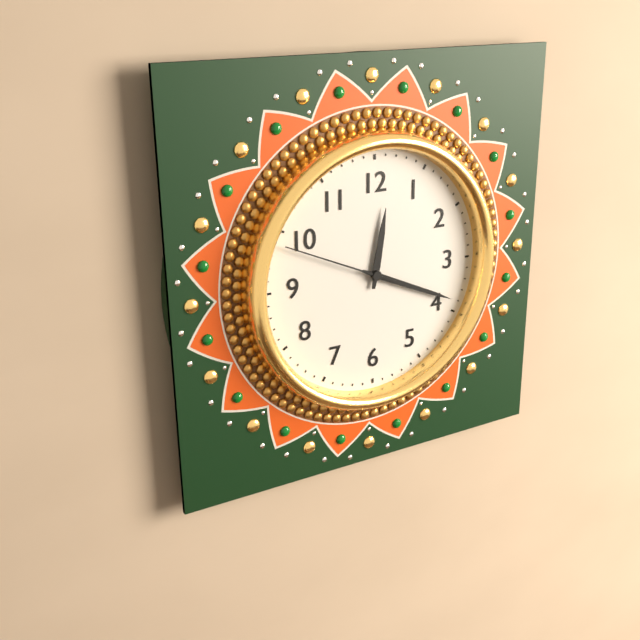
12:19:49
